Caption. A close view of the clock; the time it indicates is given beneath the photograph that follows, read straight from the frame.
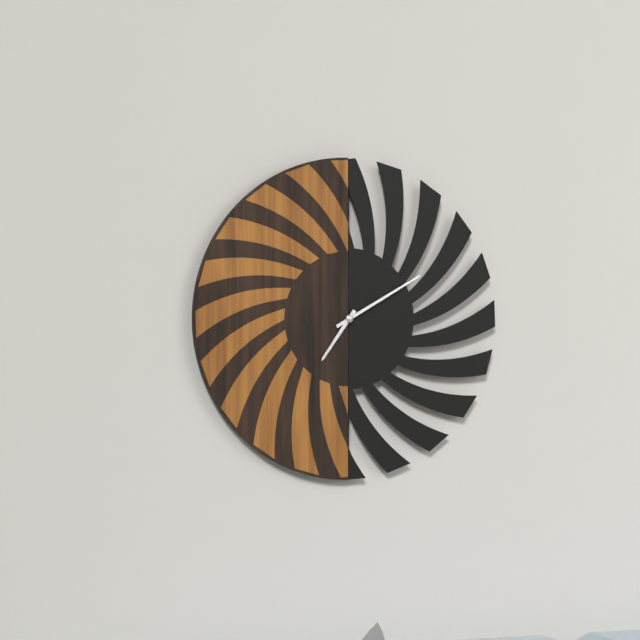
7:10
